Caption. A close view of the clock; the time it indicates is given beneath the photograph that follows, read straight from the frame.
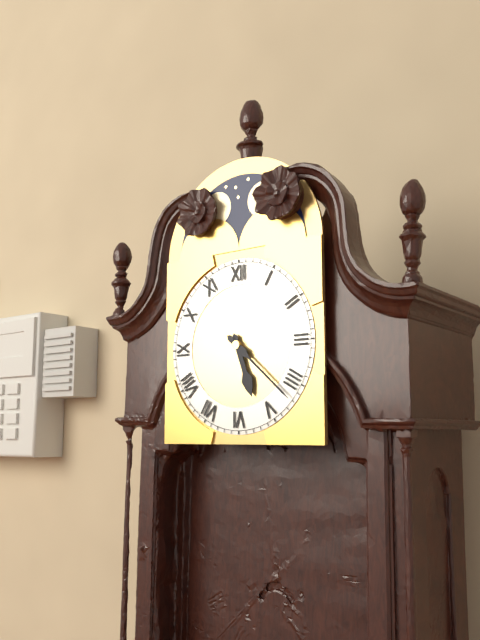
5:22
